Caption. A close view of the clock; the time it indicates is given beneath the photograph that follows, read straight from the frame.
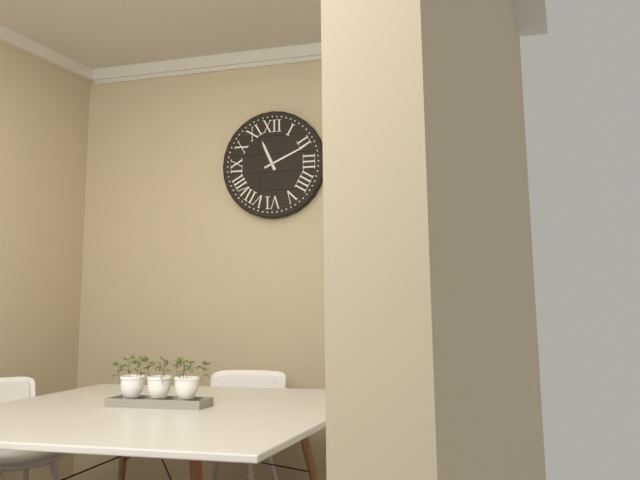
11:11
